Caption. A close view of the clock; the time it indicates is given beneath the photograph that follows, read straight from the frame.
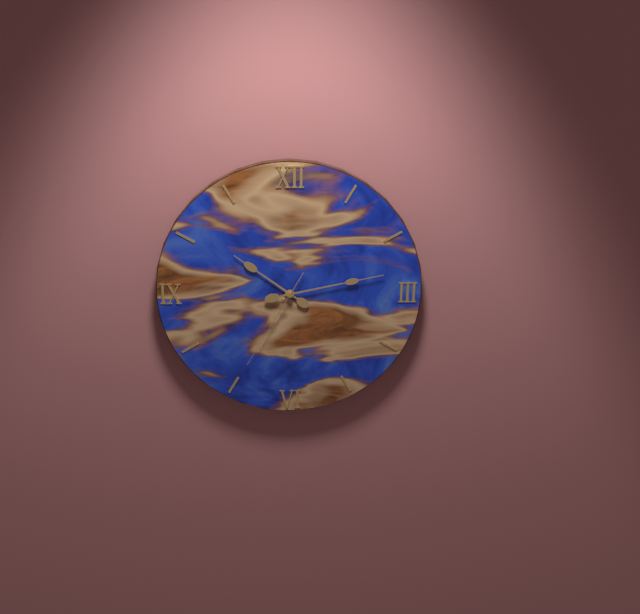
10:13:35
